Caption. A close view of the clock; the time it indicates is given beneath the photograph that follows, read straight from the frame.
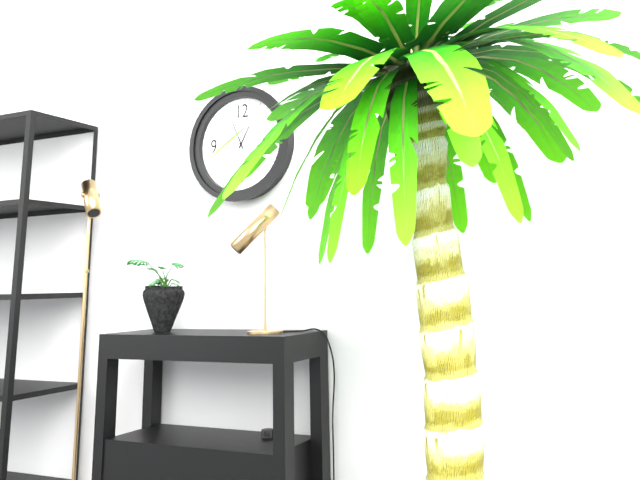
12:56
